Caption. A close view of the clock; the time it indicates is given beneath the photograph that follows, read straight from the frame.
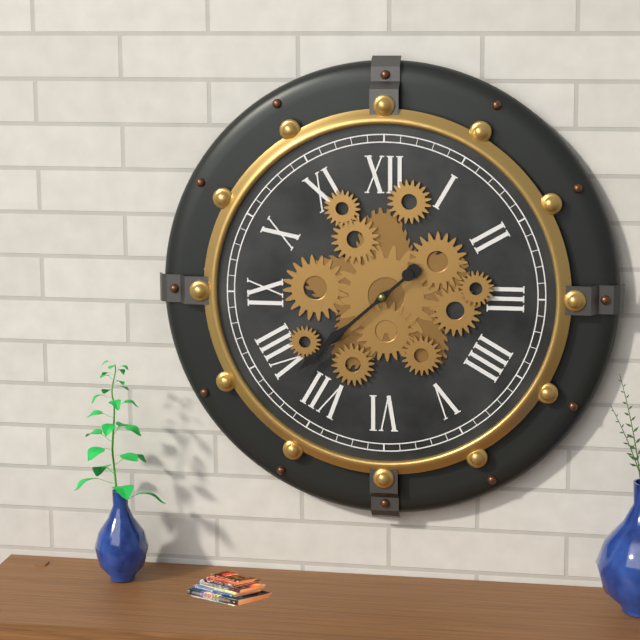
7:38
